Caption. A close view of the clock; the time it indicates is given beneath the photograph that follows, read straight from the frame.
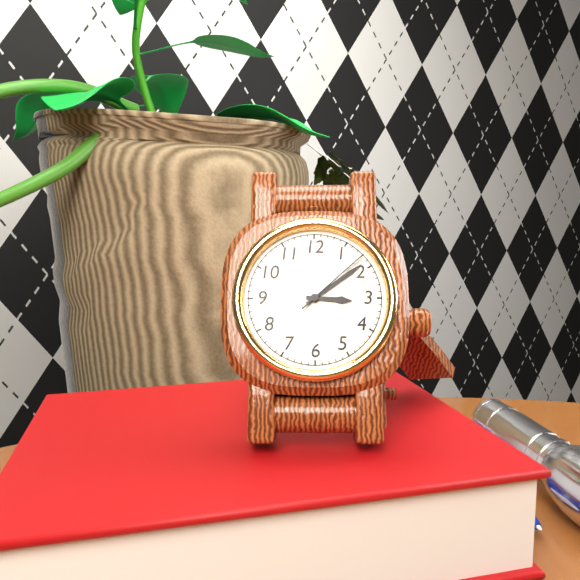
3:09:08
